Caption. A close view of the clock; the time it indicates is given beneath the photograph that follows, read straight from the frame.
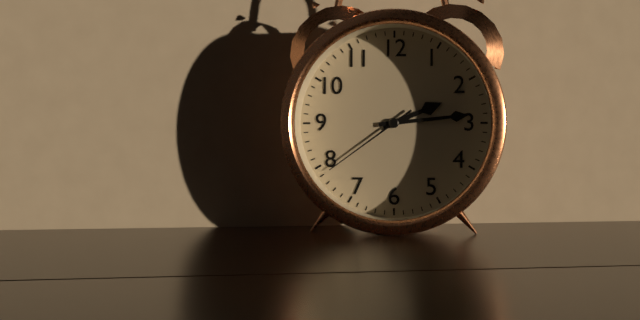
2:14:39
